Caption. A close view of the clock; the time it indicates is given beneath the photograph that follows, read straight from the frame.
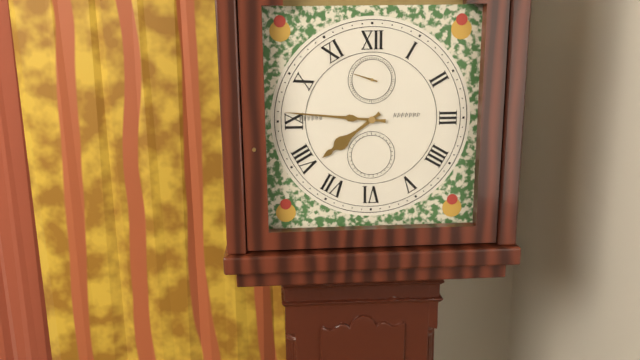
7:46
